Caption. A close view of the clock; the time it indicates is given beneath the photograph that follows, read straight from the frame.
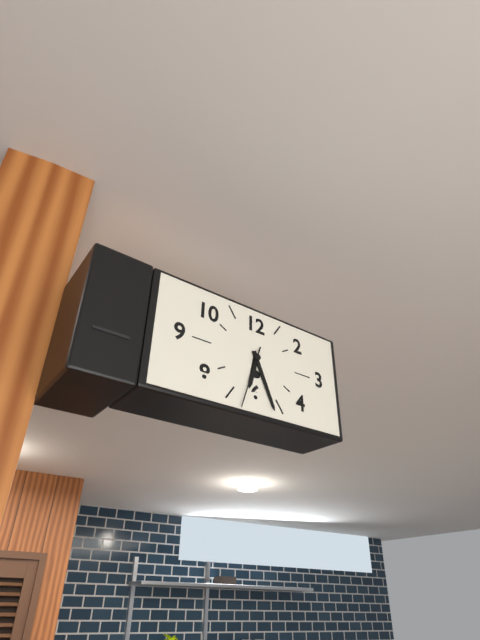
6:26:33
